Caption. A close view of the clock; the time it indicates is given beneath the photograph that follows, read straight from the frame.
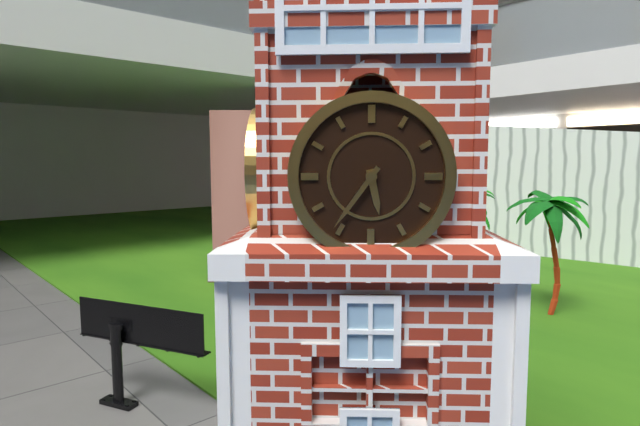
5:36
